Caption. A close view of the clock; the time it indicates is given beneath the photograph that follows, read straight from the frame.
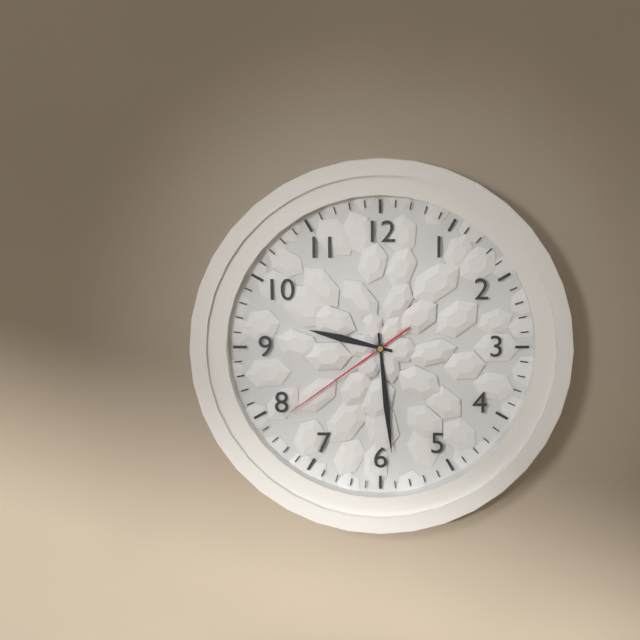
9:29:39
